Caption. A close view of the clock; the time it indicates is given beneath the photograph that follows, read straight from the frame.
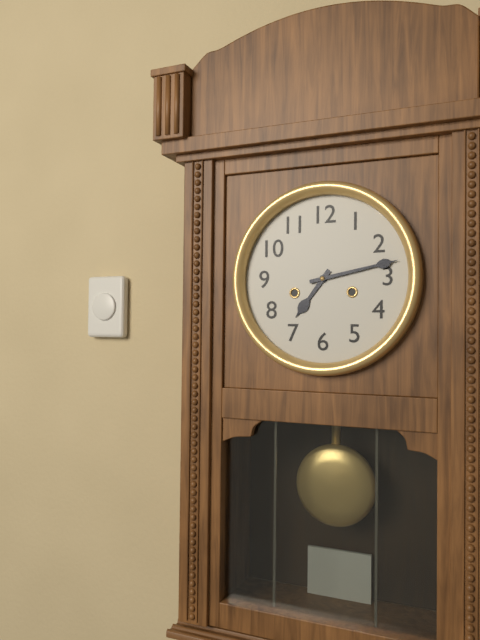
7:13
